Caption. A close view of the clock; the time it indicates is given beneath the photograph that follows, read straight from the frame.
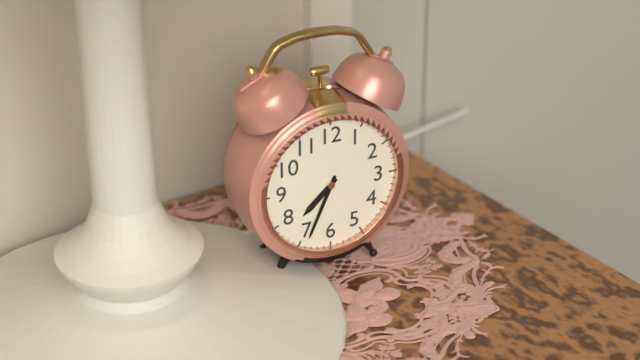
7:34
